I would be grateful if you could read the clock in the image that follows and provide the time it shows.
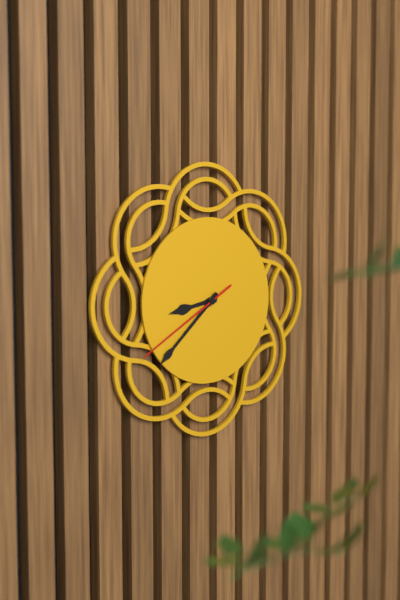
8:38:40
